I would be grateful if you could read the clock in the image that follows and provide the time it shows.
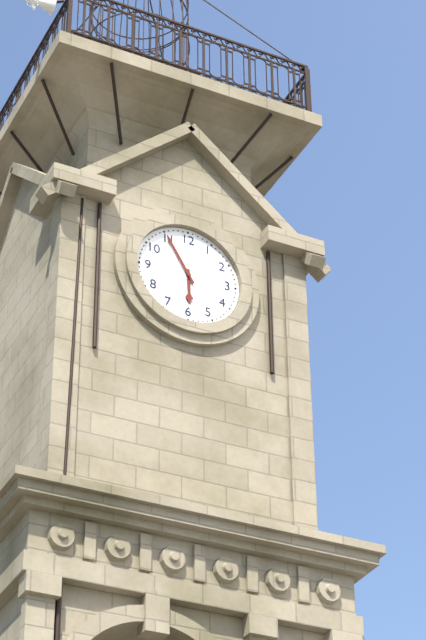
5:55
